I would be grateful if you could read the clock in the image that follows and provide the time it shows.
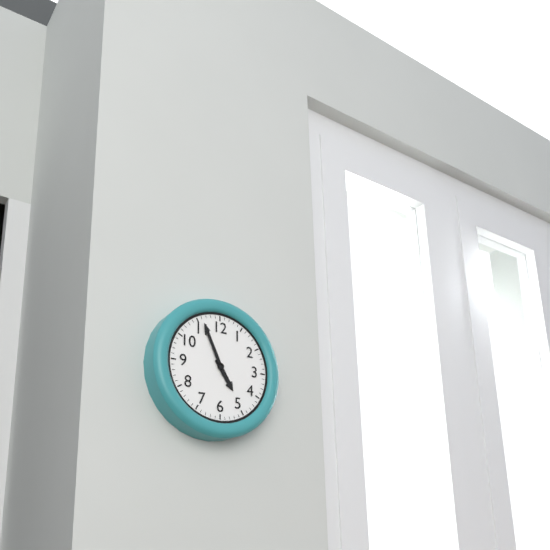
4:56
